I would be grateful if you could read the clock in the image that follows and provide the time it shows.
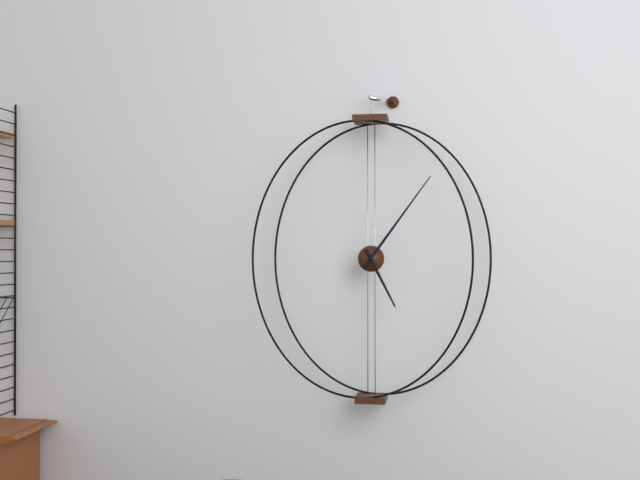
5:06
